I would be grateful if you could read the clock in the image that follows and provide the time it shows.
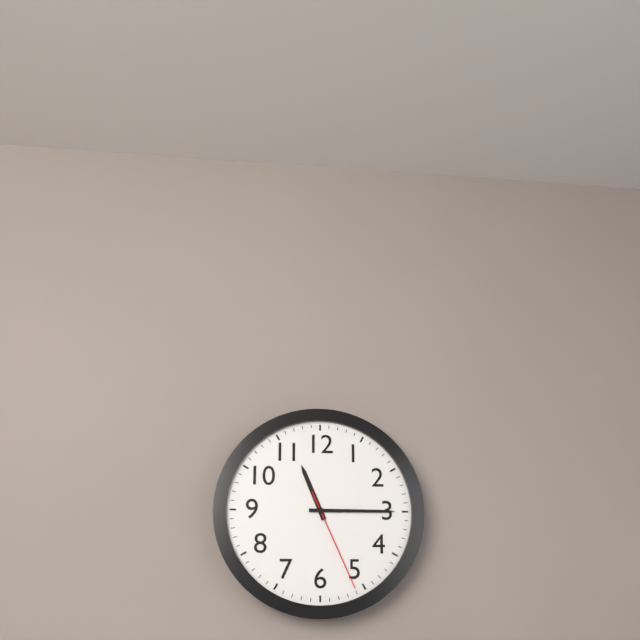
11:15:26
